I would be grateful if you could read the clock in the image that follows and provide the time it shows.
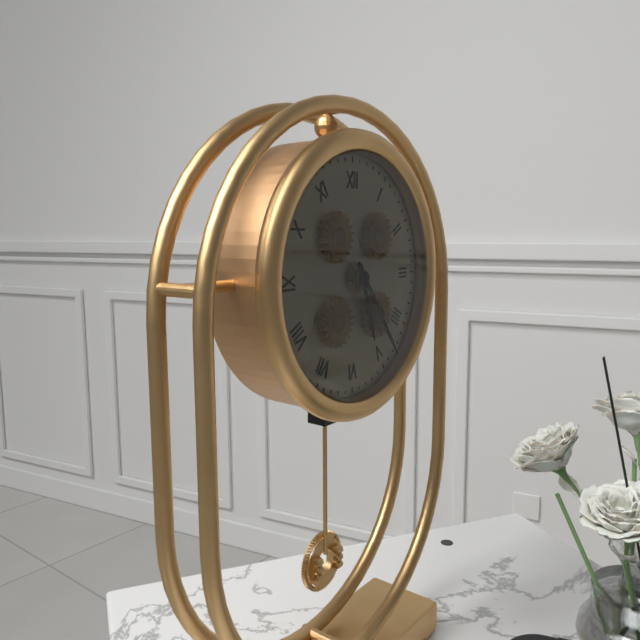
5:24
